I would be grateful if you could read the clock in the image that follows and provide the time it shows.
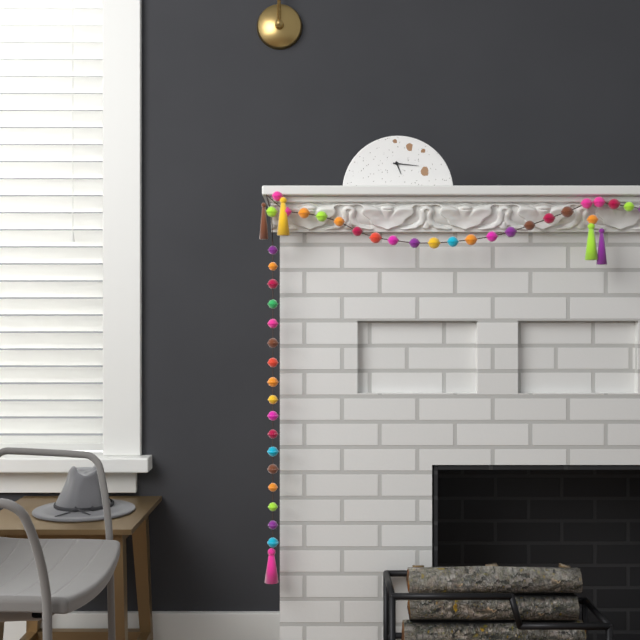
5:16
